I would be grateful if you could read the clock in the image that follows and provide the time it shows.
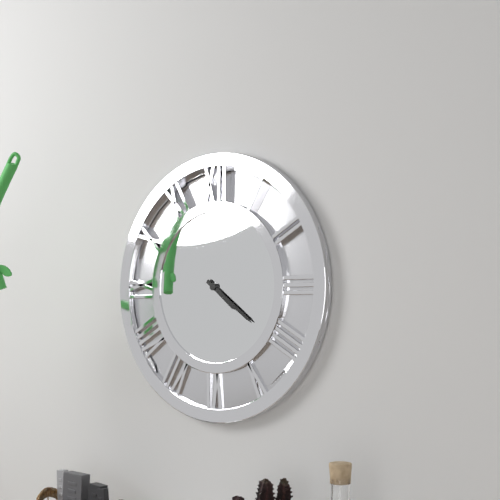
4:21
